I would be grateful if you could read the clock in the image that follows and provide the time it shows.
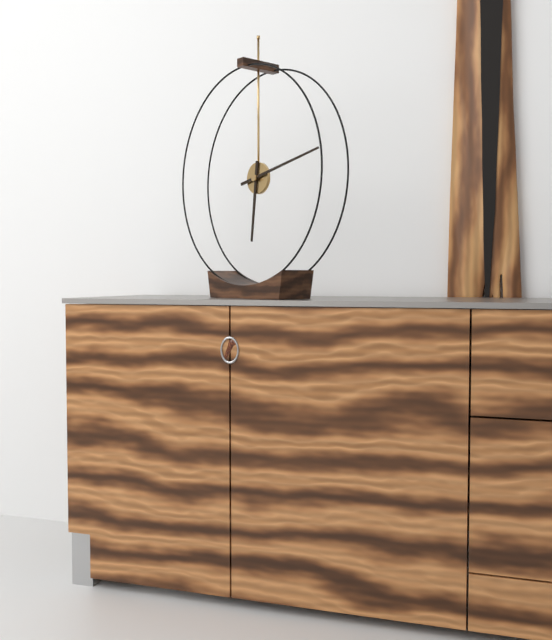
6:13
